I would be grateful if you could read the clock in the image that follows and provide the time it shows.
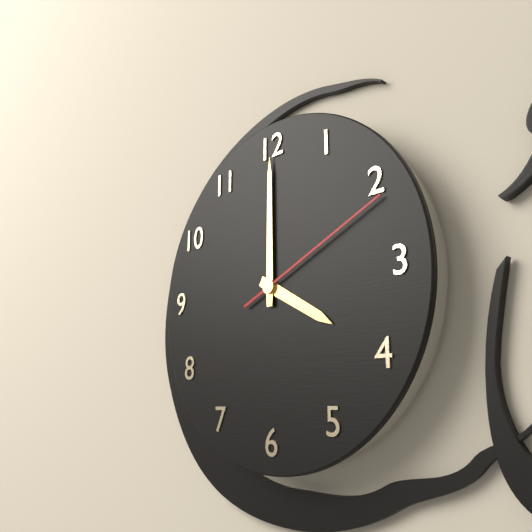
4:00:11
